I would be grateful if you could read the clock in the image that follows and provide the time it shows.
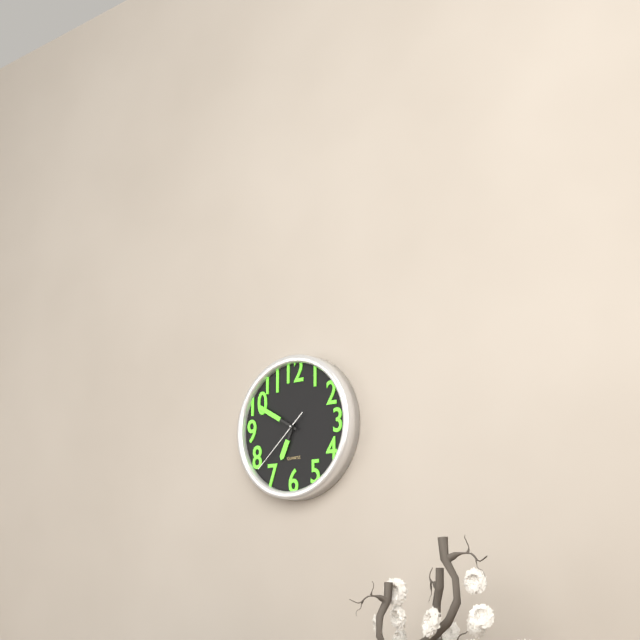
6:50:38
